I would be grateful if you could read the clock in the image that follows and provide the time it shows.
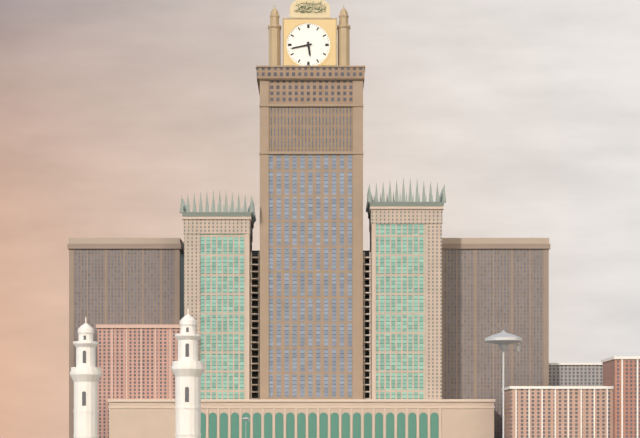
5:43
